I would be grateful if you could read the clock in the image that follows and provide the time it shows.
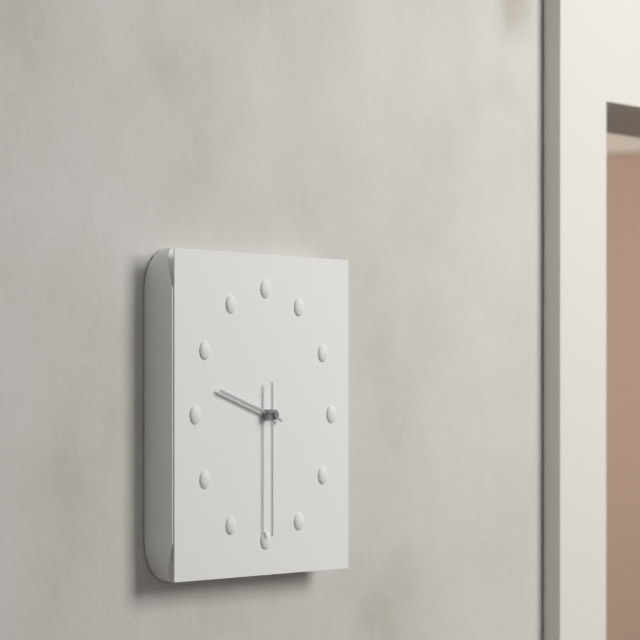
9:30
